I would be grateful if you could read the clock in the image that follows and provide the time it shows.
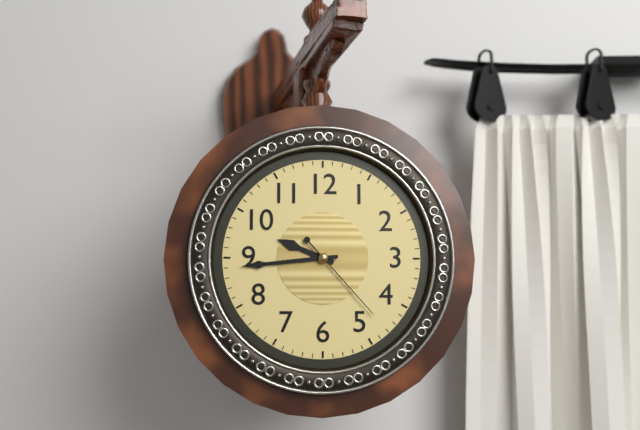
9:44:23
